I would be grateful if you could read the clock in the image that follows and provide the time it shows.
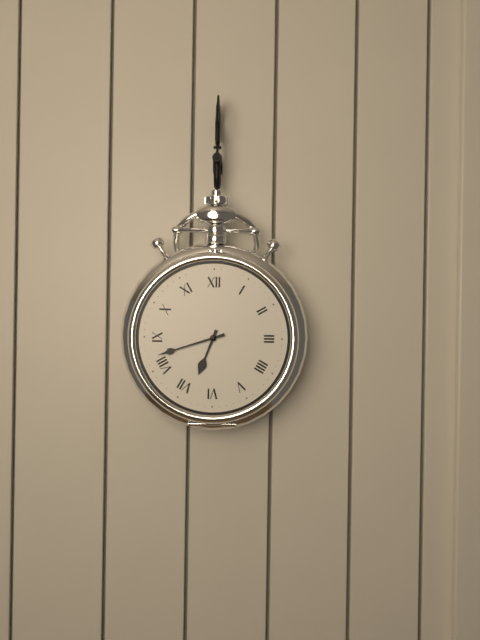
6:42
